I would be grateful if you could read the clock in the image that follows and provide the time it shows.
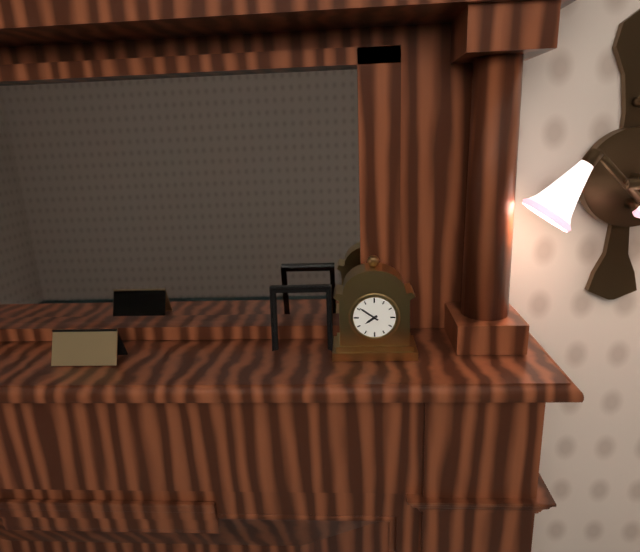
7:51
